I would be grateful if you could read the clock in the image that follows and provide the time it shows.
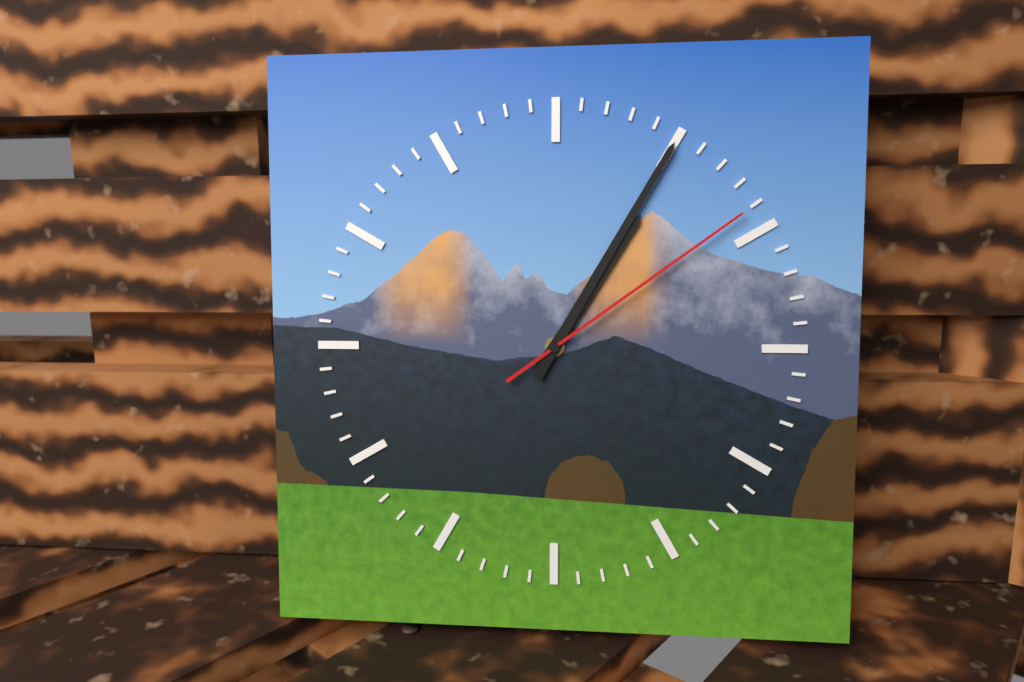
1:05:09
